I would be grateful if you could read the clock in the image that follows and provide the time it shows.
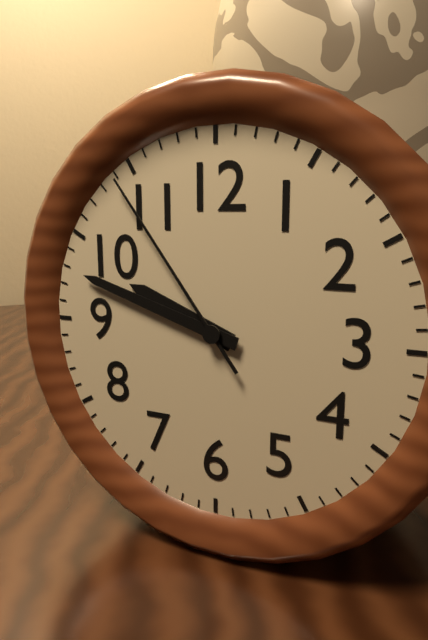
9:48:54
